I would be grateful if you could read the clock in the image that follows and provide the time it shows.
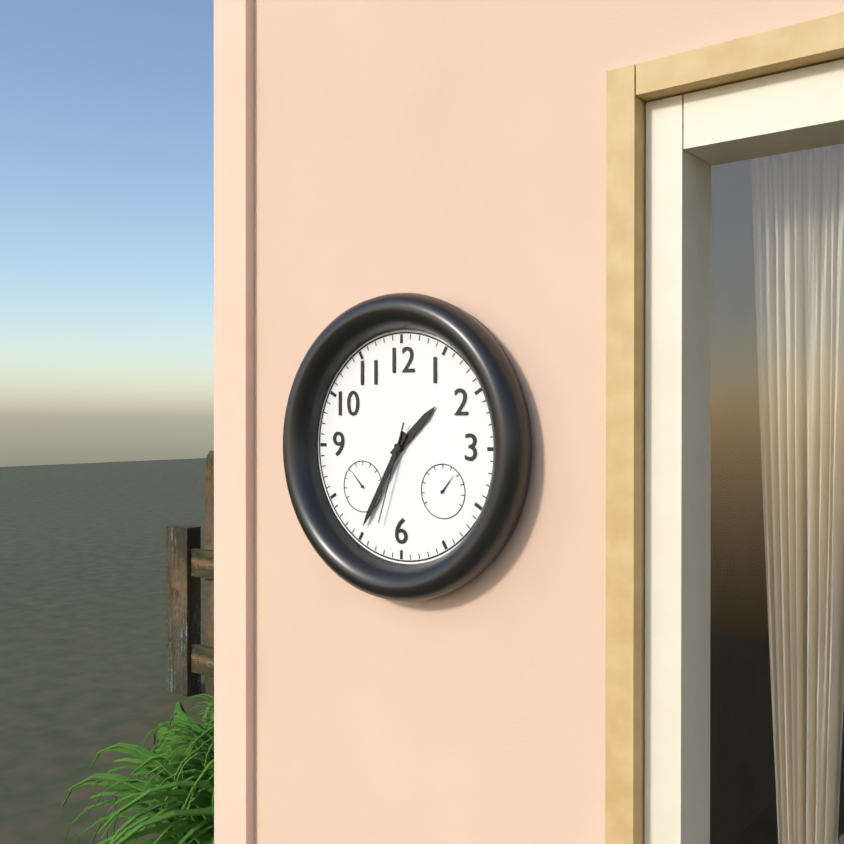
1:35:33
